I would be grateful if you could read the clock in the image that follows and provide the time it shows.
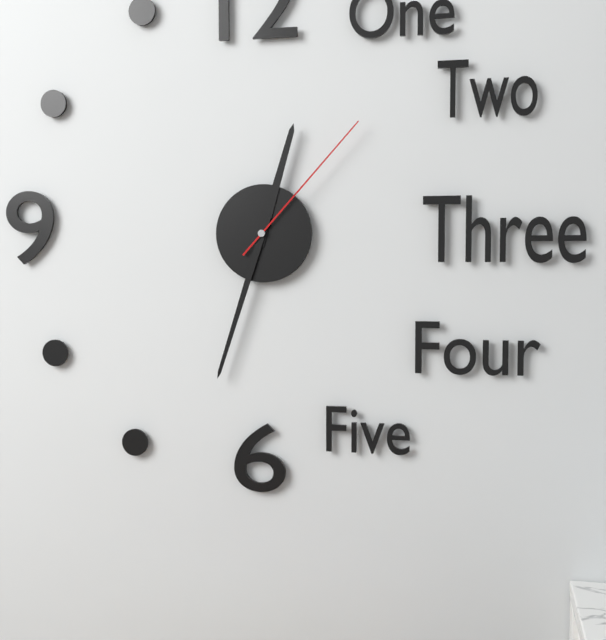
12:33:07
